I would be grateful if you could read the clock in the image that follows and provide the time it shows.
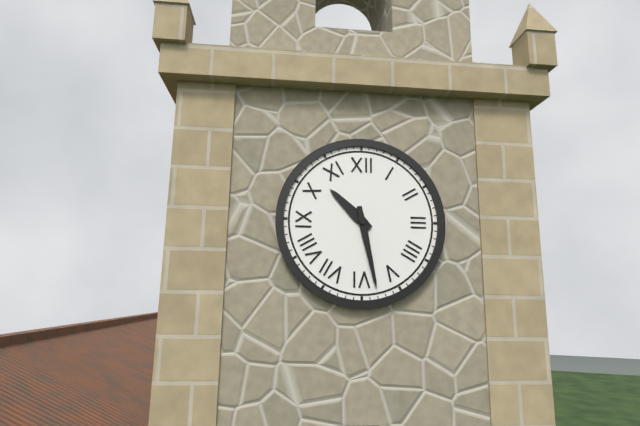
10:28
